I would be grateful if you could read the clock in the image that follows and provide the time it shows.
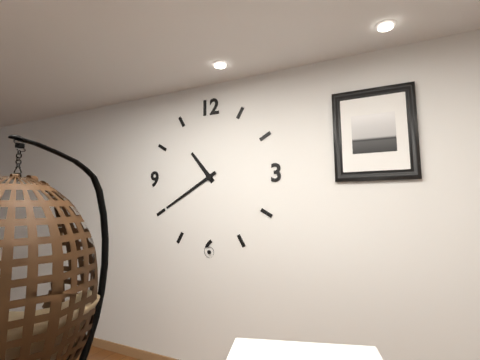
10:40
